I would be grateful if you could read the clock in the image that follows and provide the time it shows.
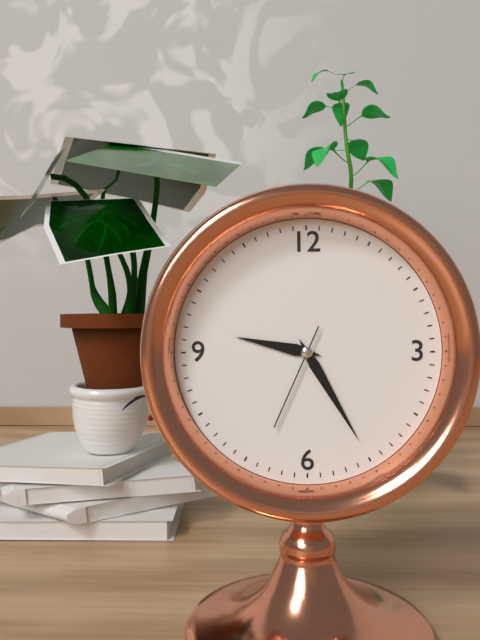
9:25:34
